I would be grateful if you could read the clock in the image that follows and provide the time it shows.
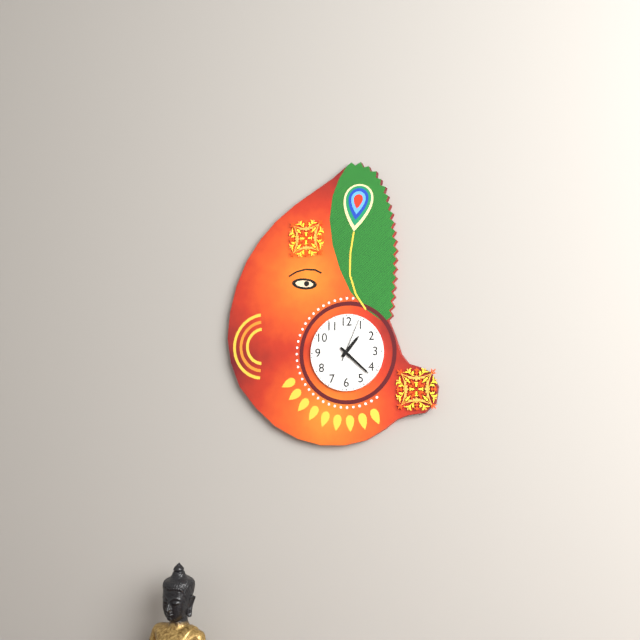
1:22
